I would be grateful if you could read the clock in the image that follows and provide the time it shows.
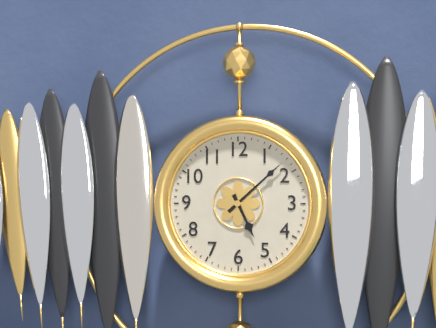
5:08
